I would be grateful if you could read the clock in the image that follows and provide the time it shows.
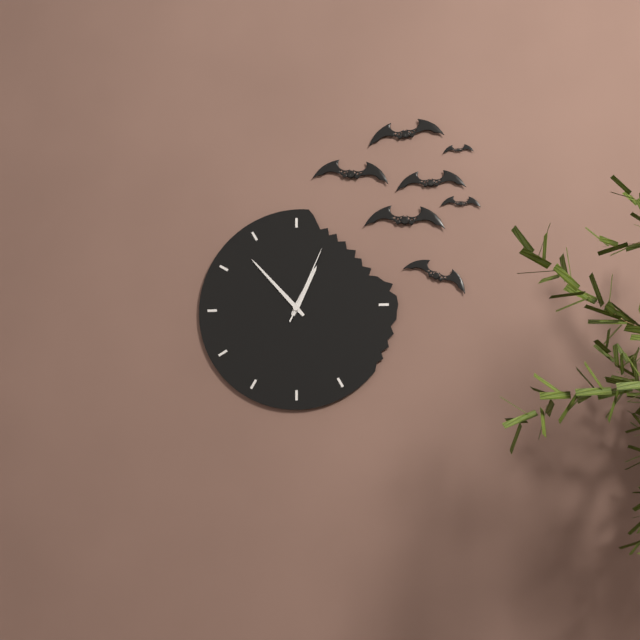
12:53:04
